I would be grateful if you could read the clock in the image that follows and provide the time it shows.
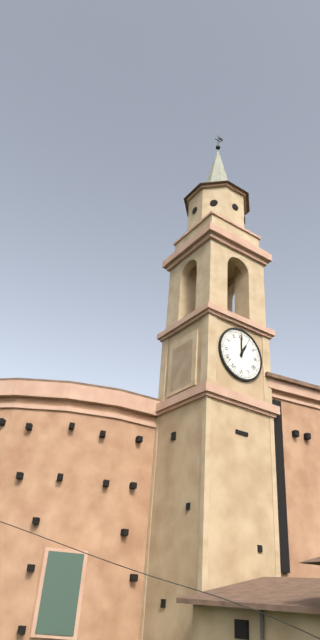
1:00
